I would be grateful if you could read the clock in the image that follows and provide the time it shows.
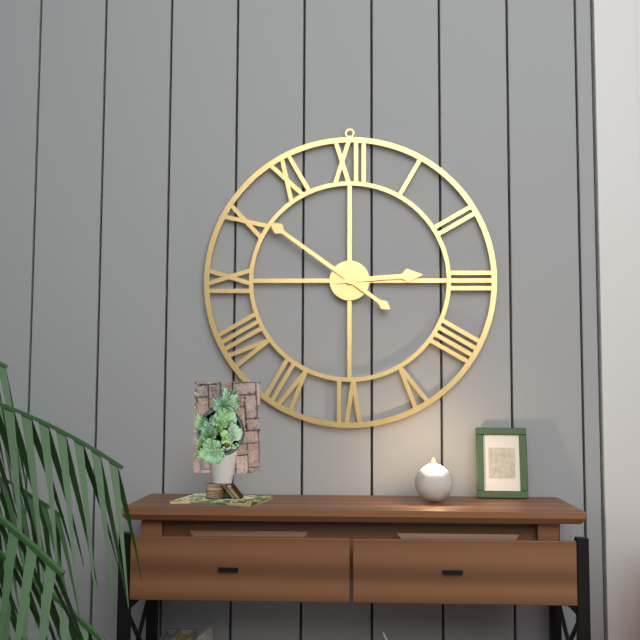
2:51
